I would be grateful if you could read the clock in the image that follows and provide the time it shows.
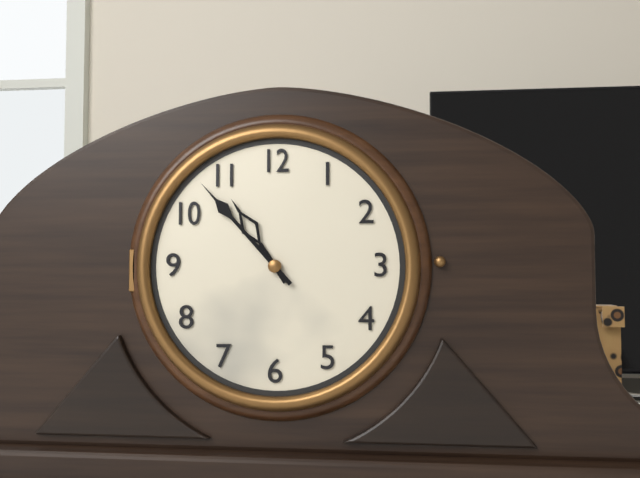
10:53
